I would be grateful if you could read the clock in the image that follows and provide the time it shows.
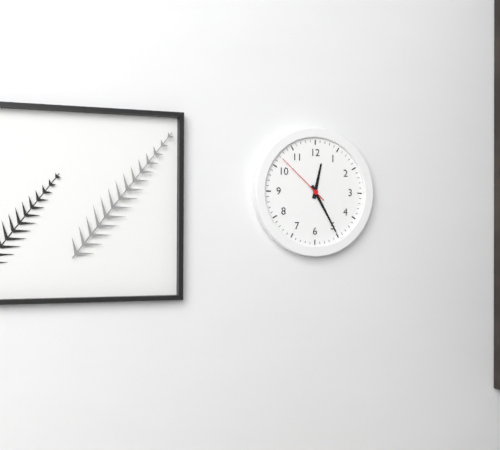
12:25:52
